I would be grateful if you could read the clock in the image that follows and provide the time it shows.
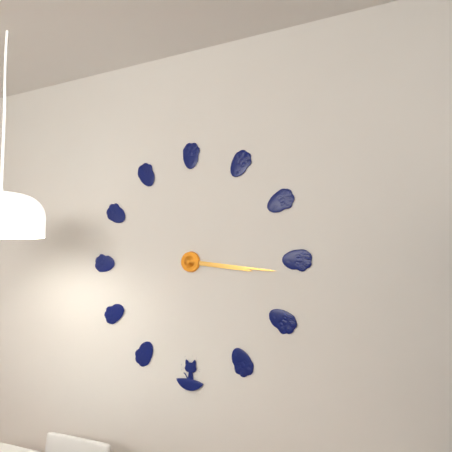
3:16
